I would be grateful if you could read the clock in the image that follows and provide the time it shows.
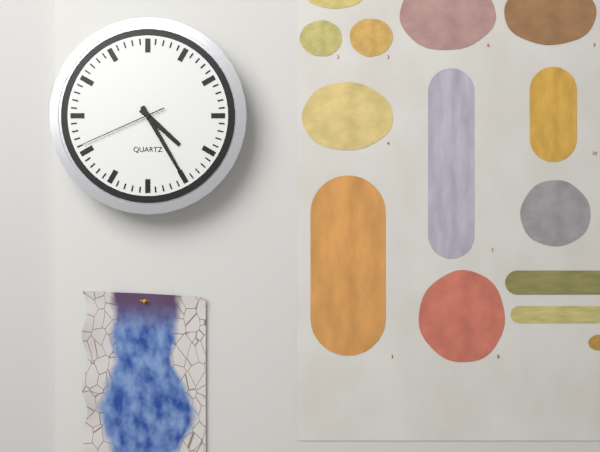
4:25:41
